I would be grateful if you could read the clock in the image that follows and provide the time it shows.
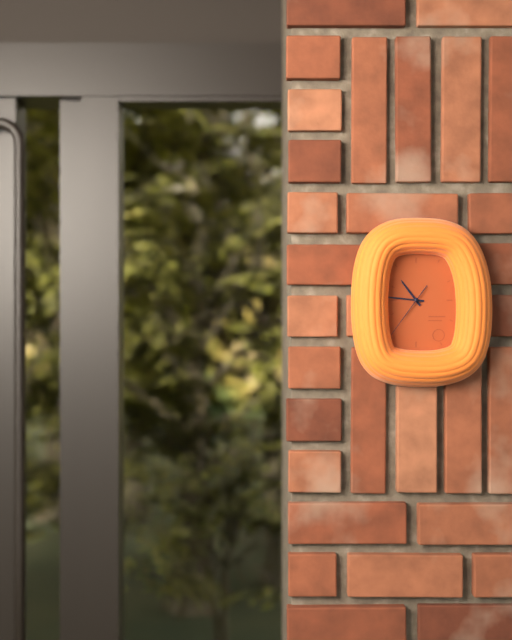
10:46:36
